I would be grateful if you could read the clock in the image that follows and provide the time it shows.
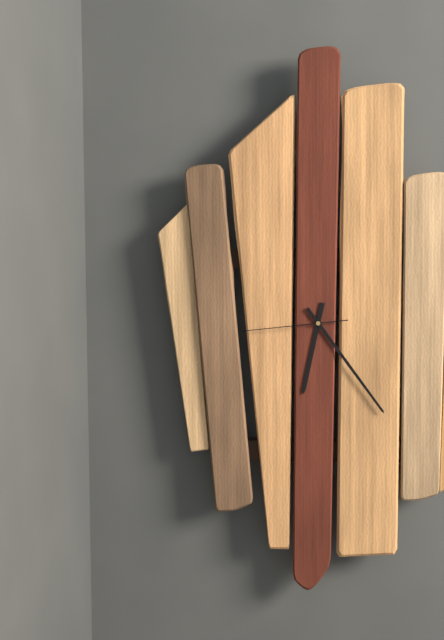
6:24:44
